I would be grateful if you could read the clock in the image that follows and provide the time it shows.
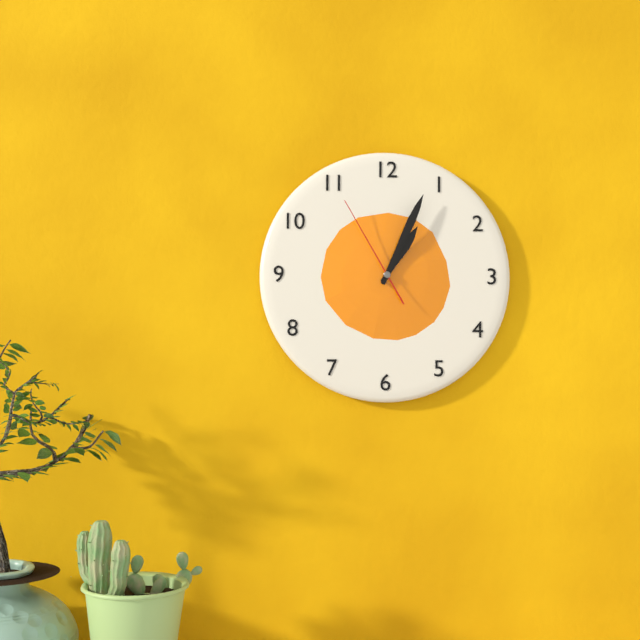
1:04:55
